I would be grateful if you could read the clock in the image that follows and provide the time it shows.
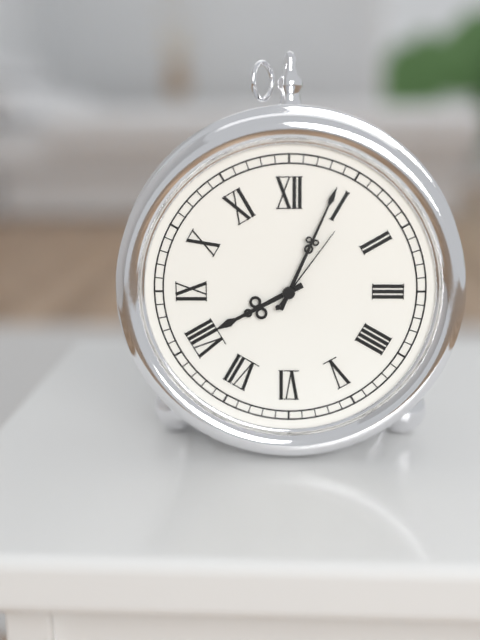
8:04:06
